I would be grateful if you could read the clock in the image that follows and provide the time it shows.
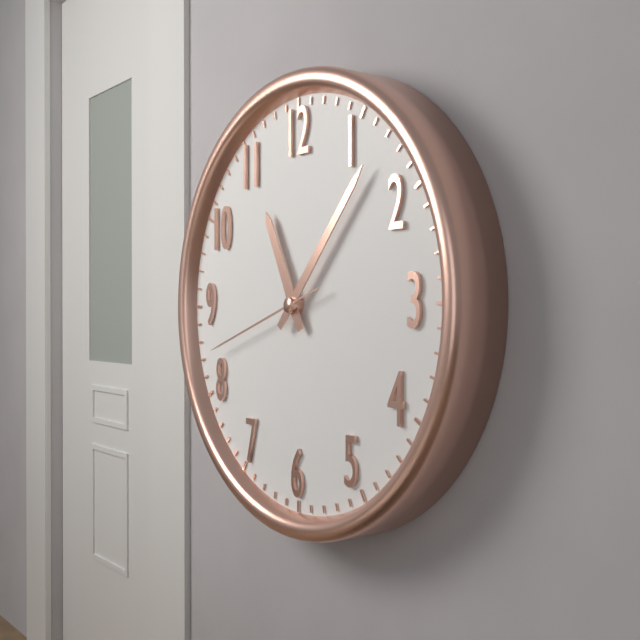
11:07:42
